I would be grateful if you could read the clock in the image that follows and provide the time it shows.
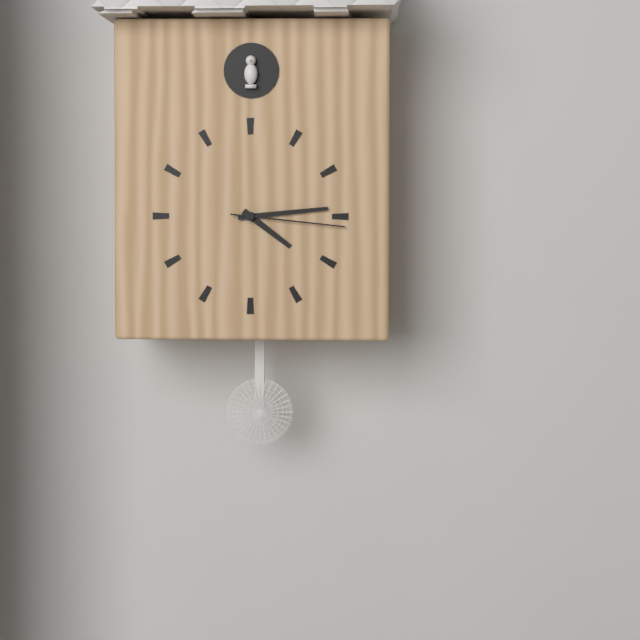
4:14:16
